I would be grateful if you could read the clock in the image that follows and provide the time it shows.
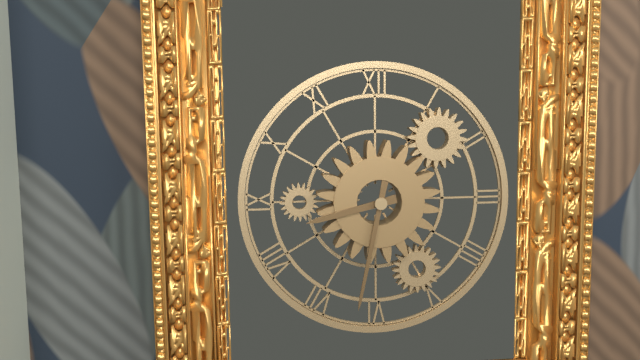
8:32
